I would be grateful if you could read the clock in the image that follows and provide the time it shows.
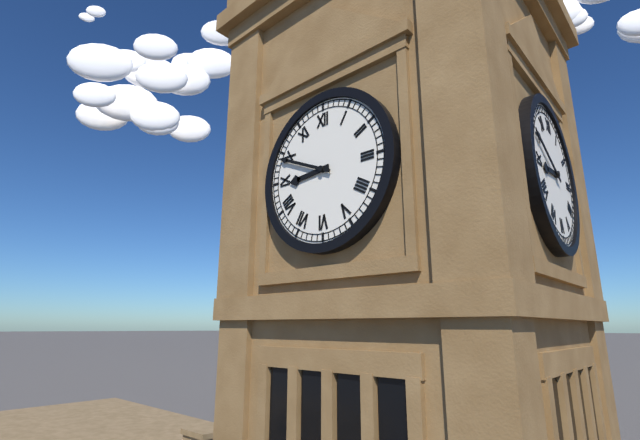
8:49
